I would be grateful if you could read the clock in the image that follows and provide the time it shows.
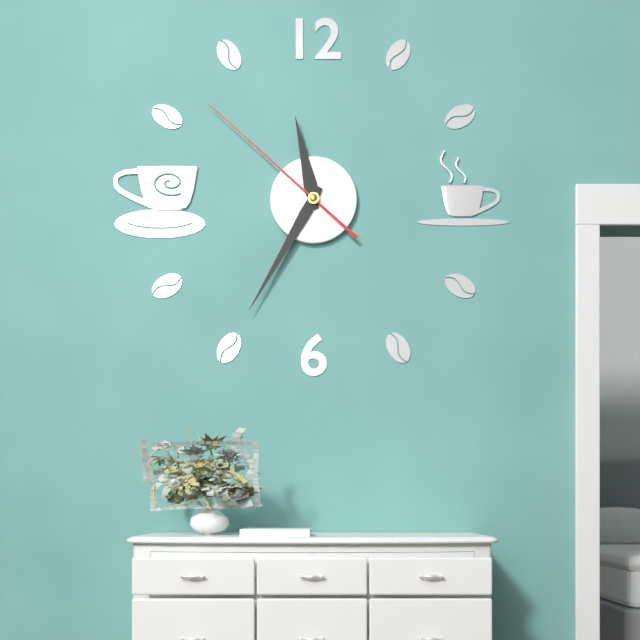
11:35:52
